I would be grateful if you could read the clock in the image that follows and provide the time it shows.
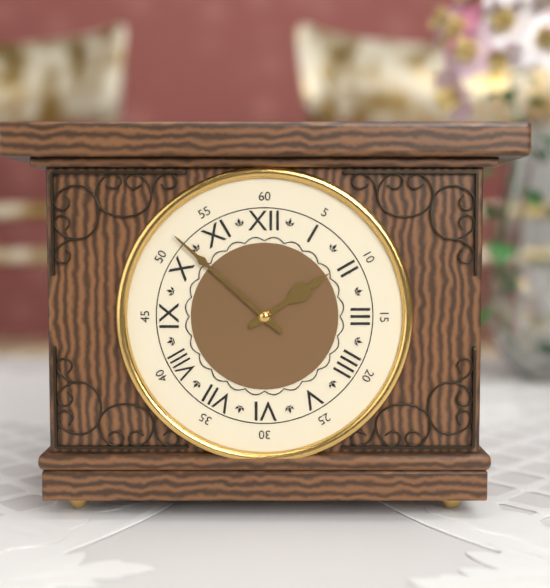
1:52
